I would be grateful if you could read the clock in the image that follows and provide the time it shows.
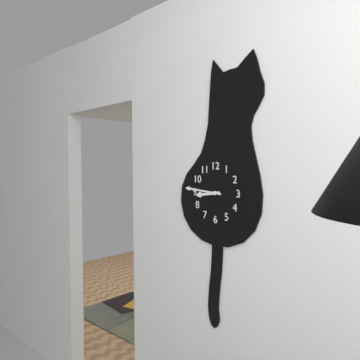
8:46
